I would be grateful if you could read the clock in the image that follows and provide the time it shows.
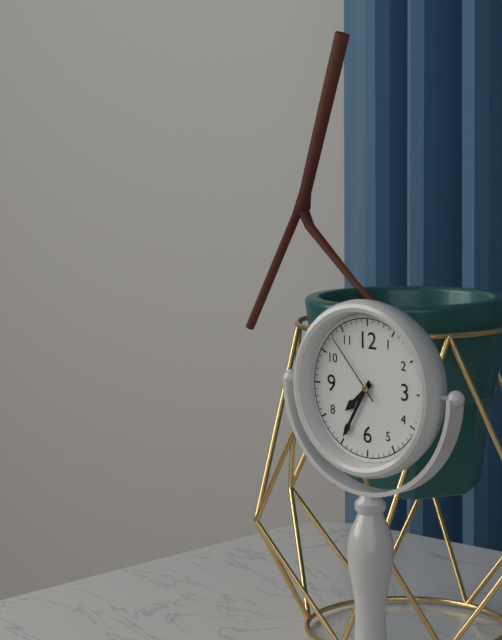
7:35:53
